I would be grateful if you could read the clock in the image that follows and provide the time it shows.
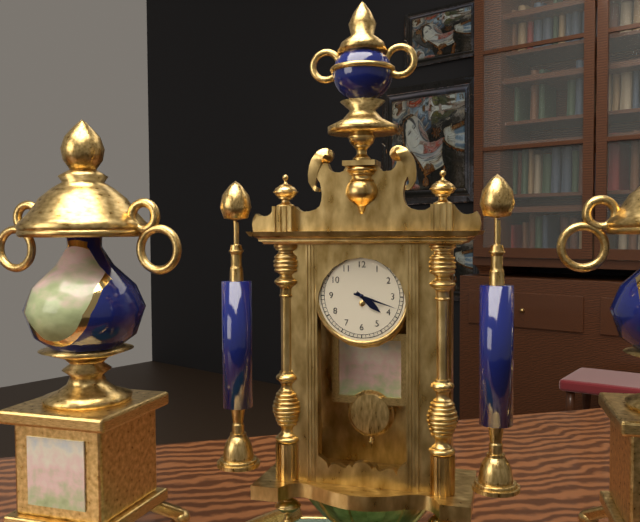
4:18
